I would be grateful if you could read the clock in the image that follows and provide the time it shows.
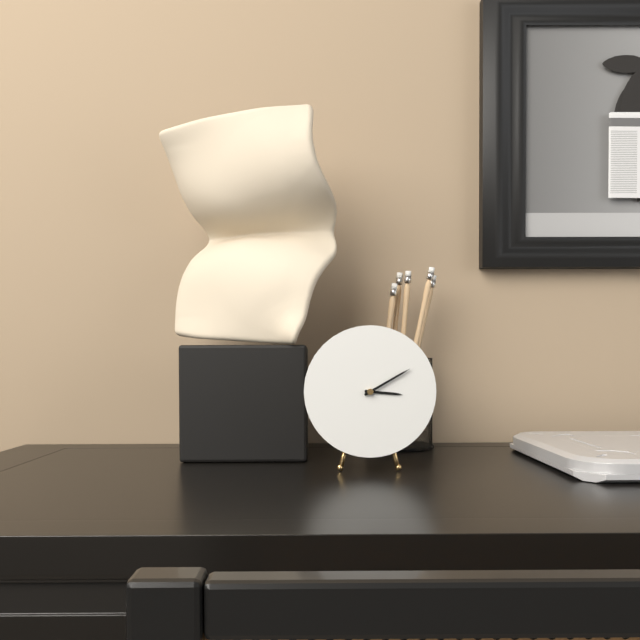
3:10
